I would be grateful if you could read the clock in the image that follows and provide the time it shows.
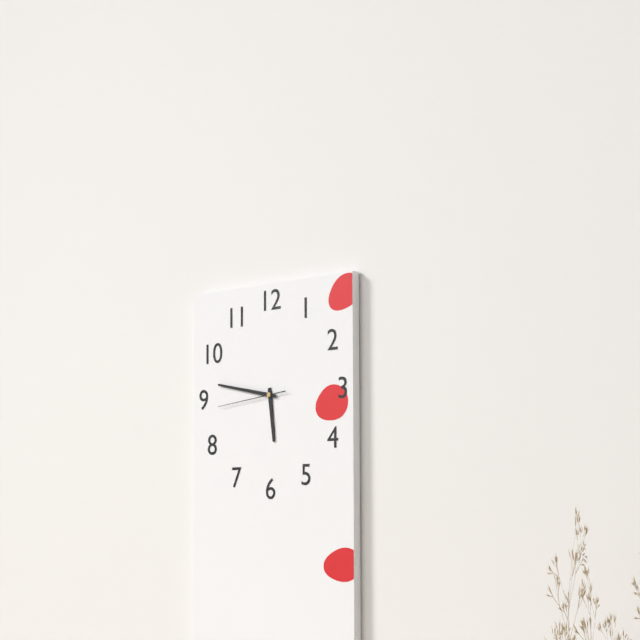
5:47:44
